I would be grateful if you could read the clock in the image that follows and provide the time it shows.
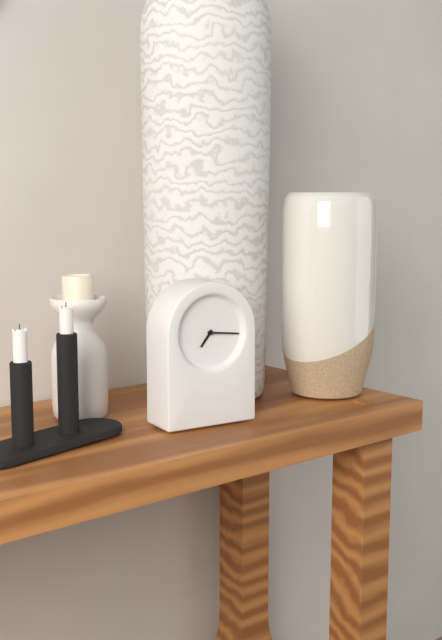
7:16
